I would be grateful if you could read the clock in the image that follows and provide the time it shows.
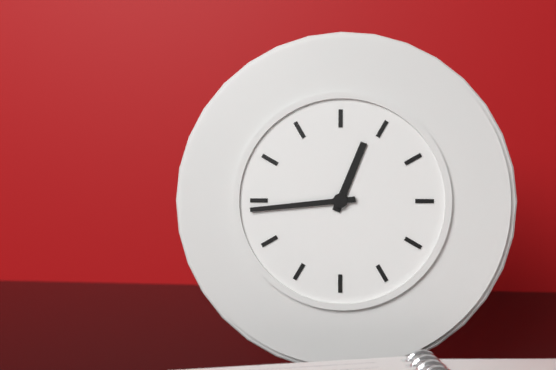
12:44
